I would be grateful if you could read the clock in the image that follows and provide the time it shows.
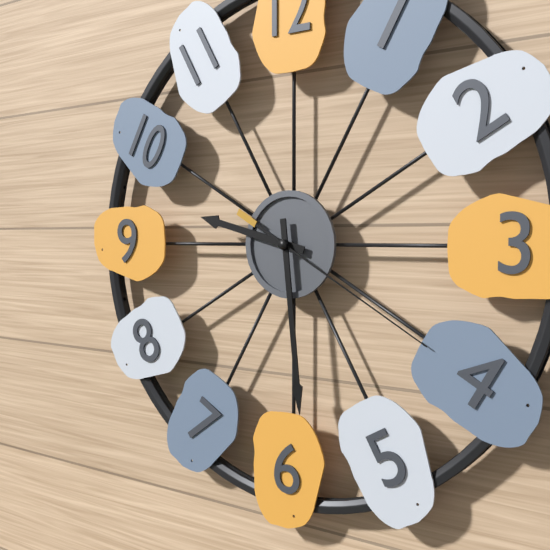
9:29:20
